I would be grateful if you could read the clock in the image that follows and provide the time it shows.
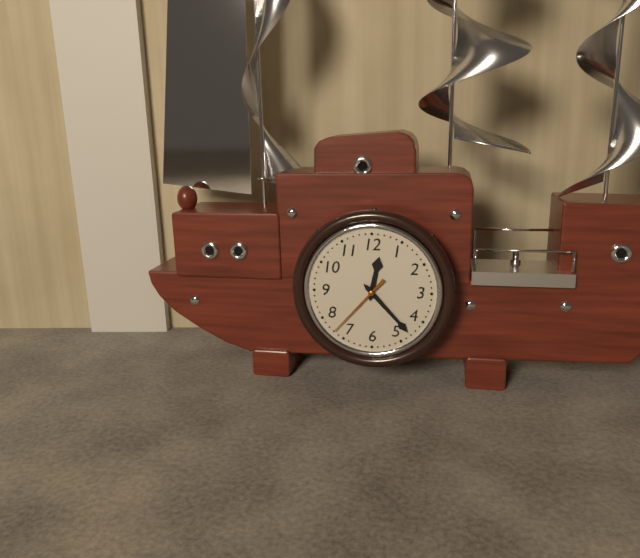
12:23:37
